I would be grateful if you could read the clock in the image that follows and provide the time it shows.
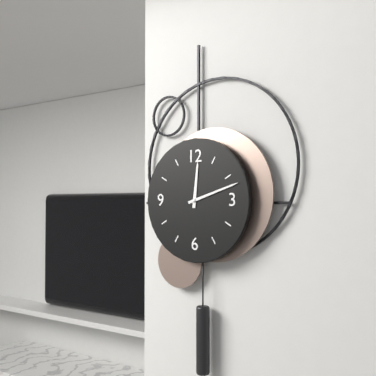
12:12
